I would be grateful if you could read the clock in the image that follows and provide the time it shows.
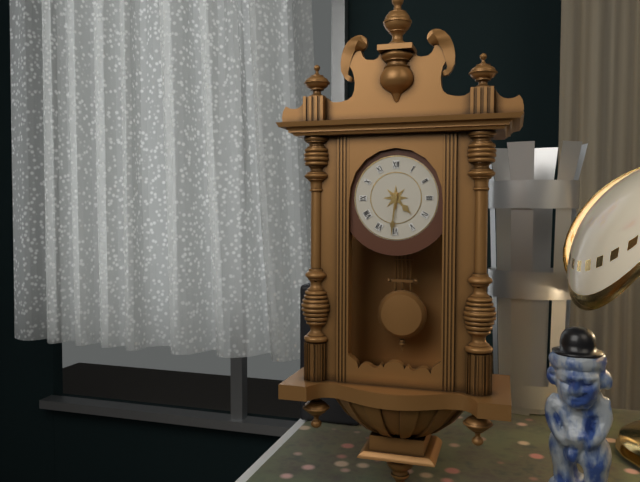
4:31
